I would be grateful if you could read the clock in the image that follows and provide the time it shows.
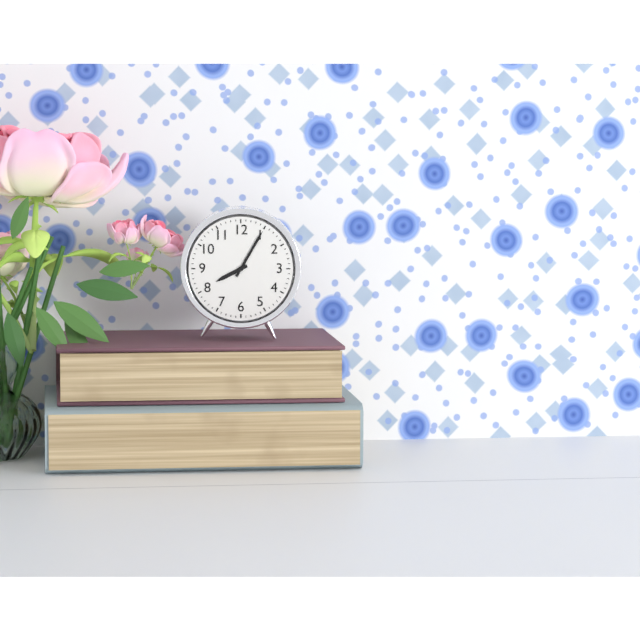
8:05
